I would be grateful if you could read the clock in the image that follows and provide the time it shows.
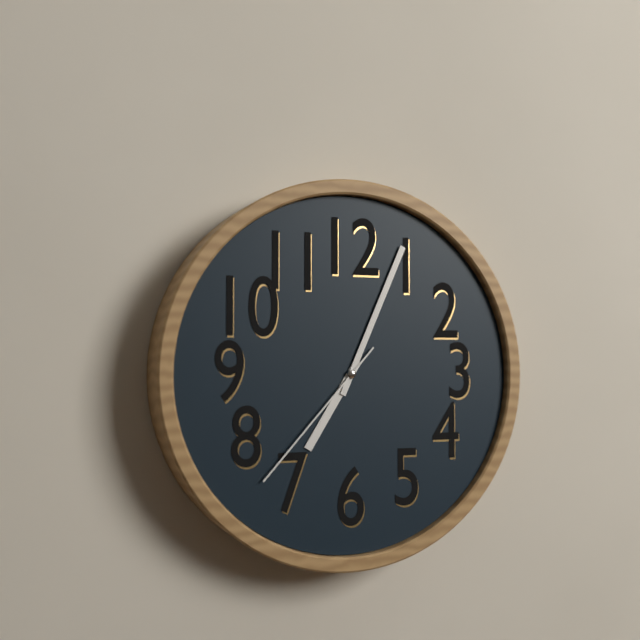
7:04:37
